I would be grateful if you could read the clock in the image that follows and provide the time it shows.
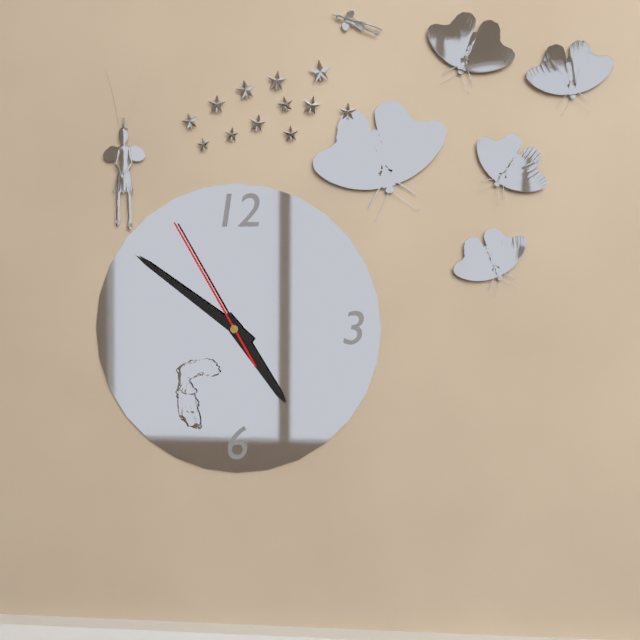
4:51:55
